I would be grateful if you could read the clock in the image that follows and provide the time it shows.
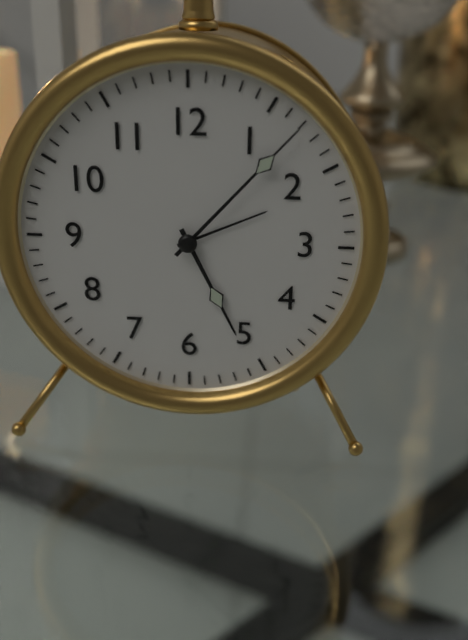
5:07
